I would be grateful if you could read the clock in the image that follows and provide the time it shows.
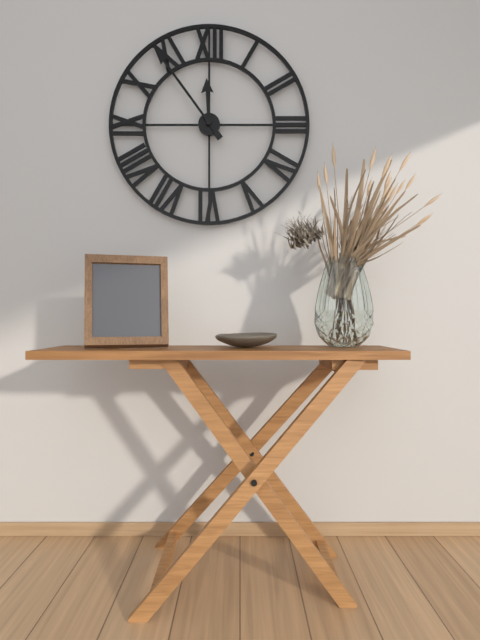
11:54
